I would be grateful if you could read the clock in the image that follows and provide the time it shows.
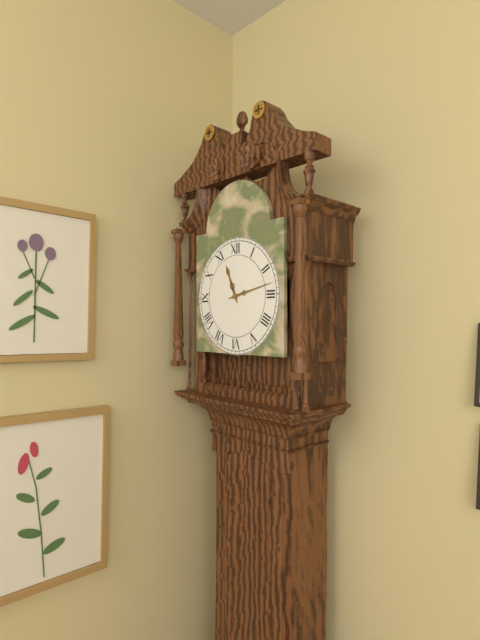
11:13
